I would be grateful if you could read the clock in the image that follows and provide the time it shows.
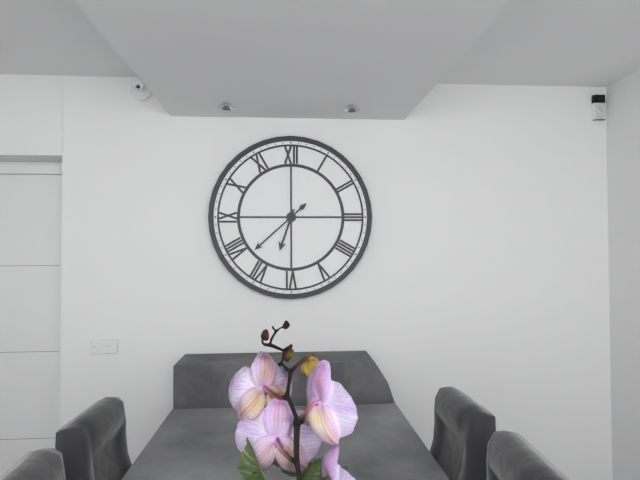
6:38
